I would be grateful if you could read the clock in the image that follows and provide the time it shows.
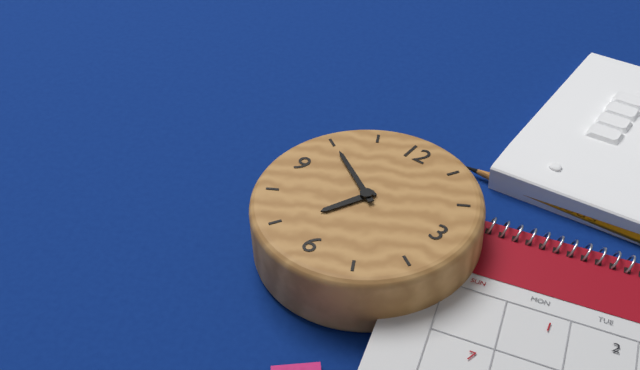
6:50
